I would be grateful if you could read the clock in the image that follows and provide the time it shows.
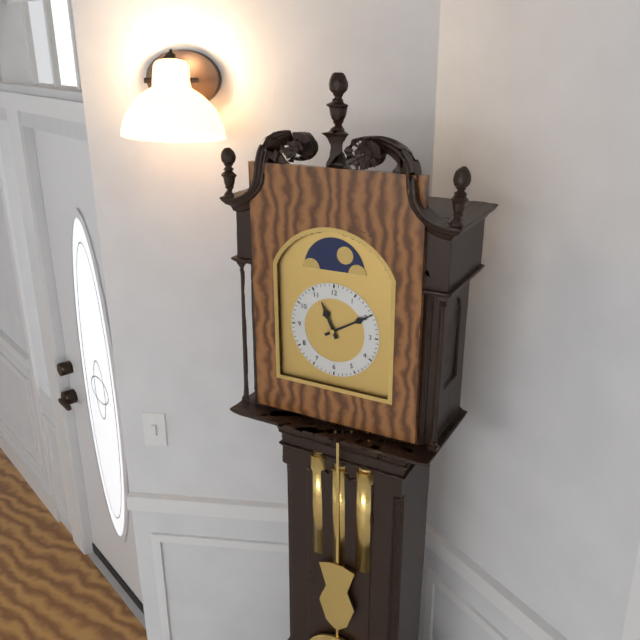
11:10
